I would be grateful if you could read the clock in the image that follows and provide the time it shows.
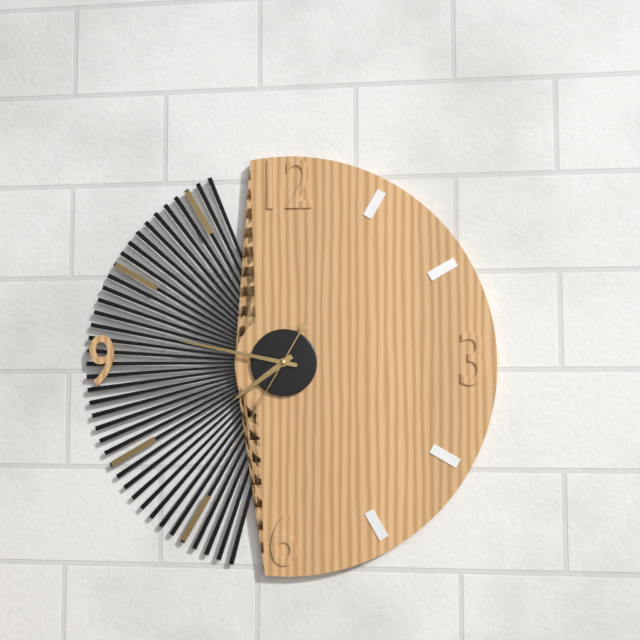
7:47:35
